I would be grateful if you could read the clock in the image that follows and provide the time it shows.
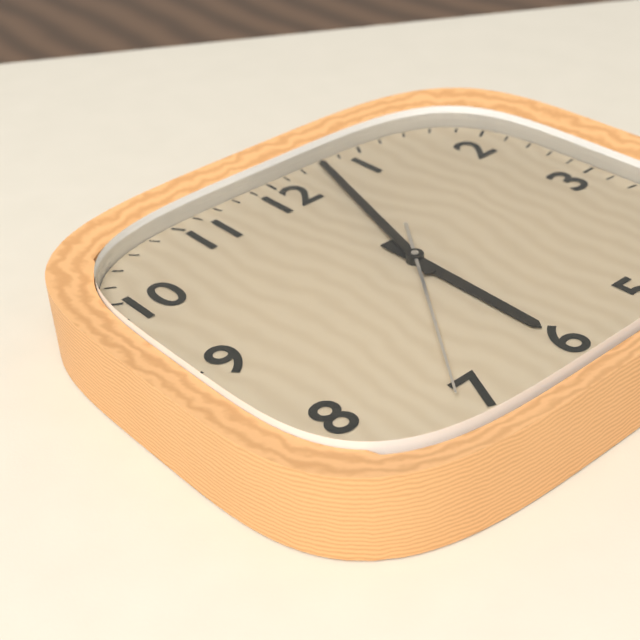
6:03:36
